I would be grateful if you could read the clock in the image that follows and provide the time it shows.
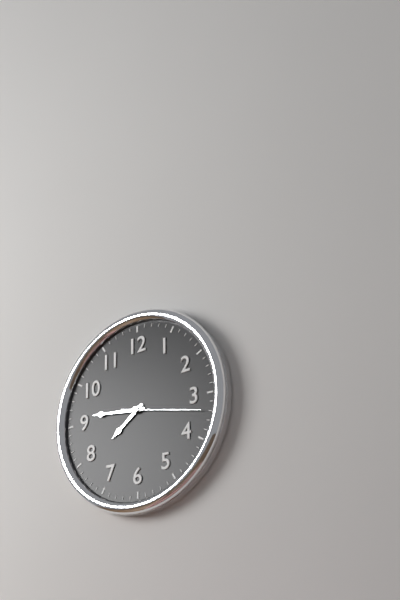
7:46:17
